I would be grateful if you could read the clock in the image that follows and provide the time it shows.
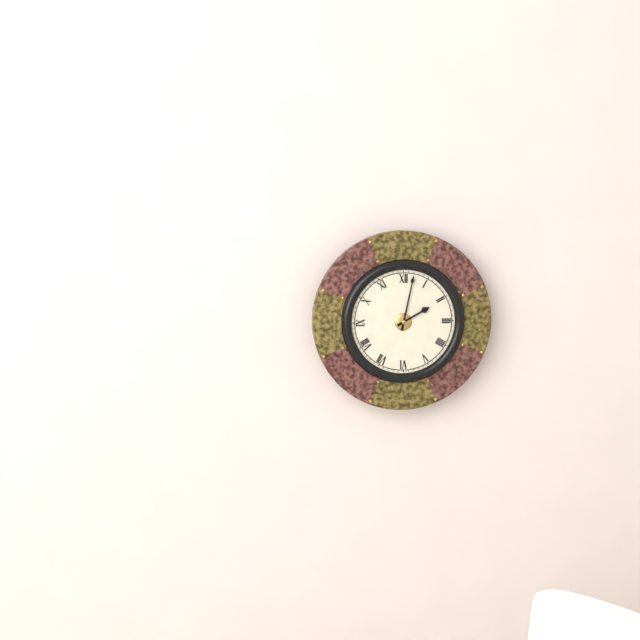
2:02
